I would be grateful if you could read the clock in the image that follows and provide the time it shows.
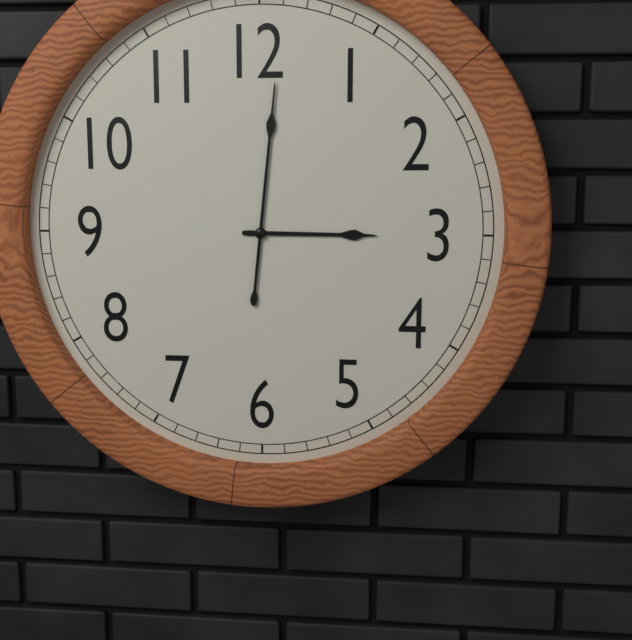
3:01
